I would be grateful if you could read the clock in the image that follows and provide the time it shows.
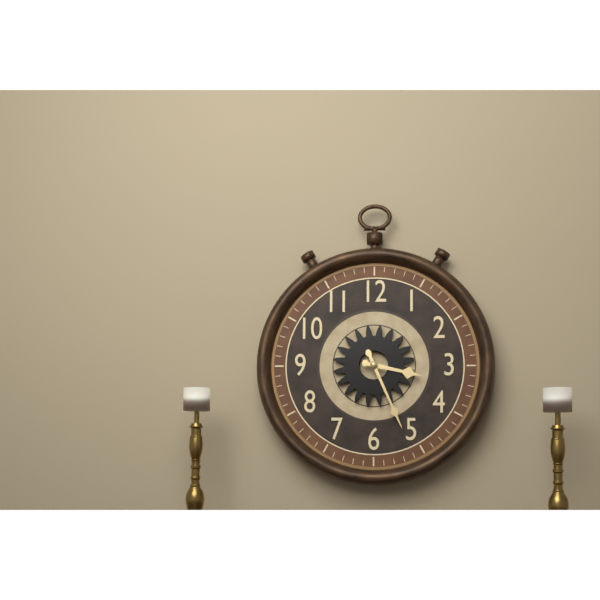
3:26
